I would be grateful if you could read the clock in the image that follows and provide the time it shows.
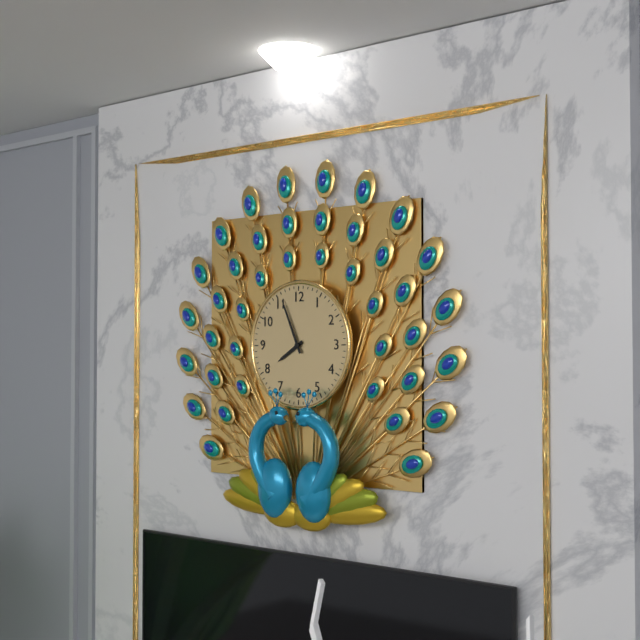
7:56
